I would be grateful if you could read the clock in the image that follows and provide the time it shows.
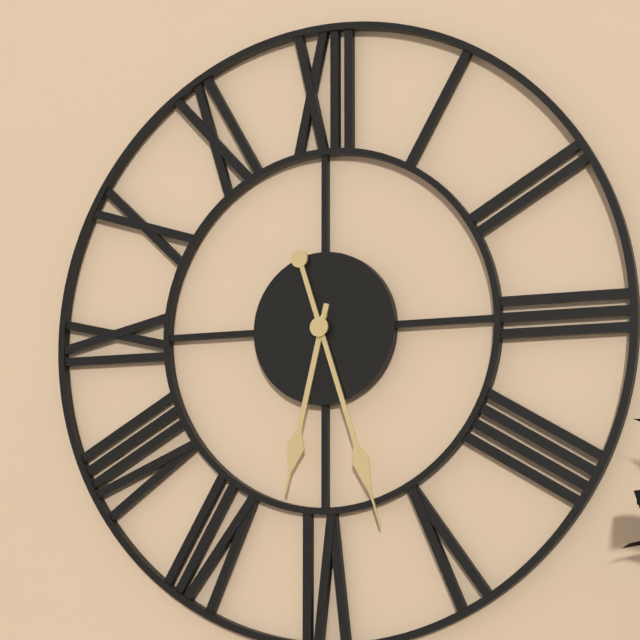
6:27
